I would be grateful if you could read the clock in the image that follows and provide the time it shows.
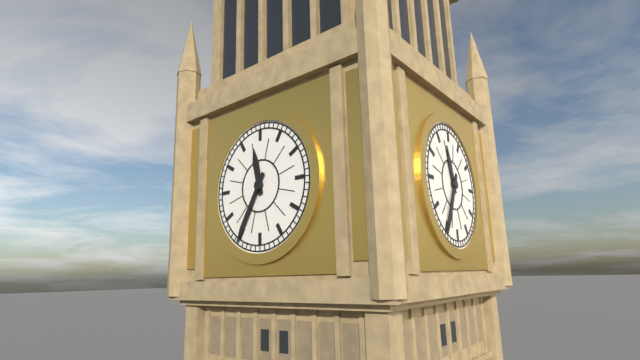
11:35
